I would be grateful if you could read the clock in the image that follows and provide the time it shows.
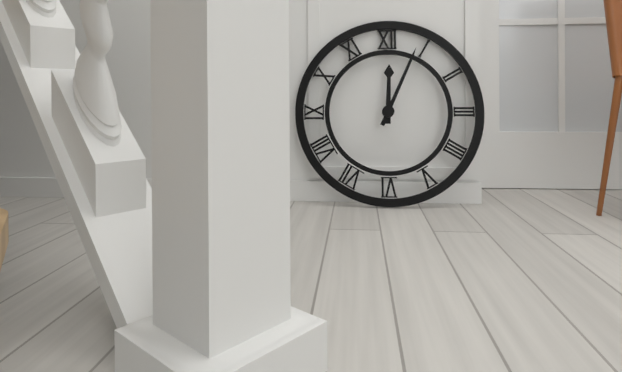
12:04
